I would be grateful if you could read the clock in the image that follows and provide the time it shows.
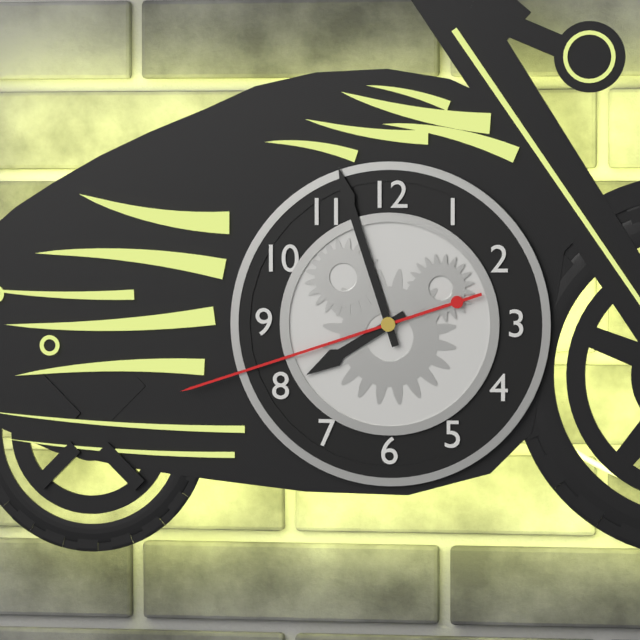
7:57:42
